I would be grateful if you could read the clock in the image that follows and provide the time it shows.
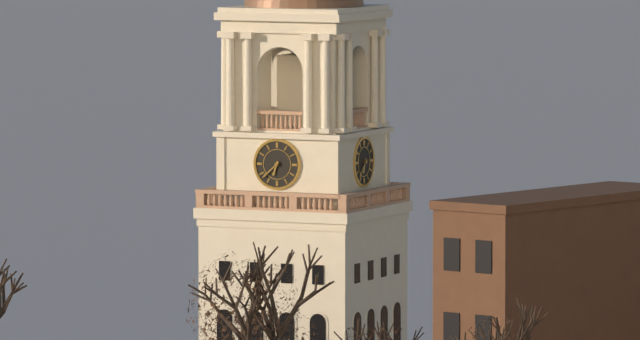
6:38
